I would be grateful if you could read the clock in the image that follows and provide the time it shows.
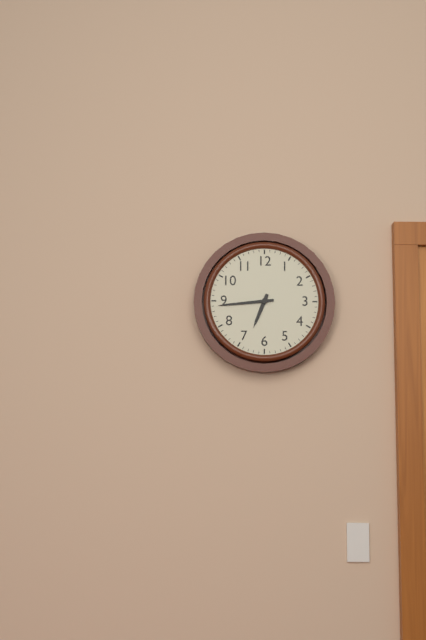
6:44
